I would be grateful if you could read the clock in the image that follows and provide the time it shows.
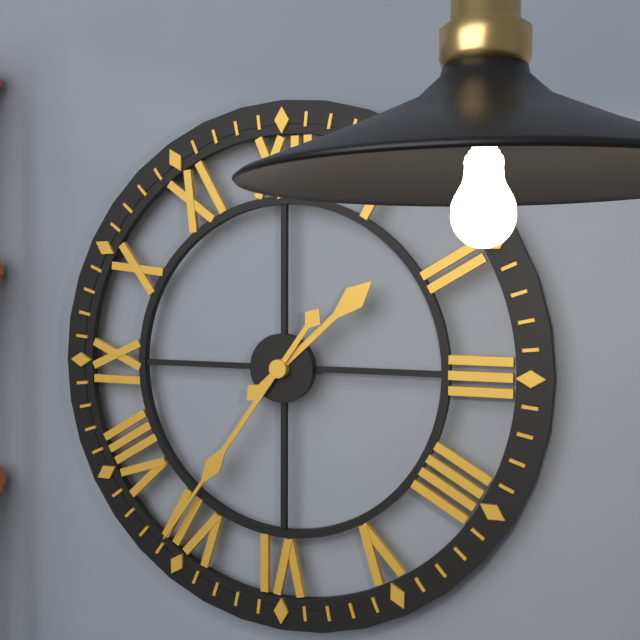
1:36
